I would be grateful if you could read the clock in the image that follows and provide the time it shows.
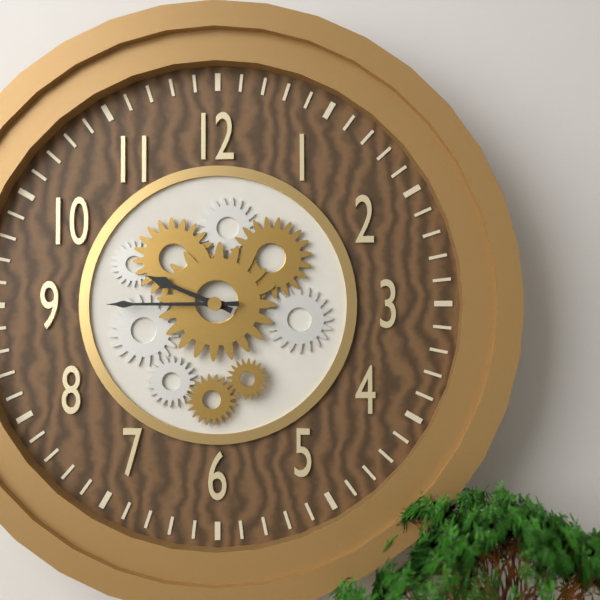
9:45
